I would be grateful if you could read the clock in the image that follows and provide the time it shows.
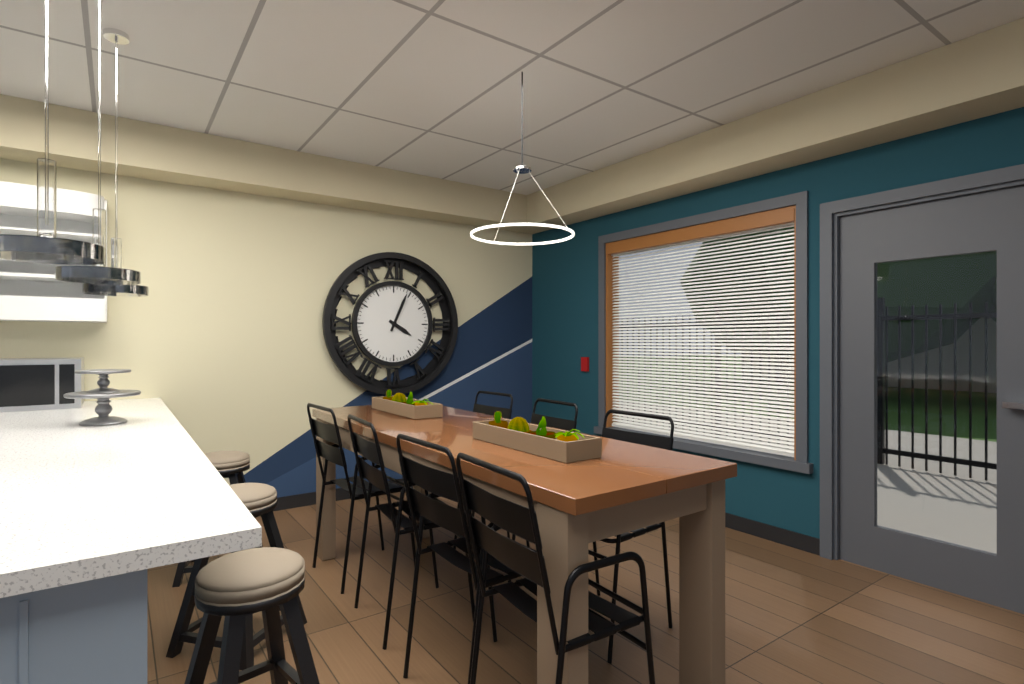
4:04
